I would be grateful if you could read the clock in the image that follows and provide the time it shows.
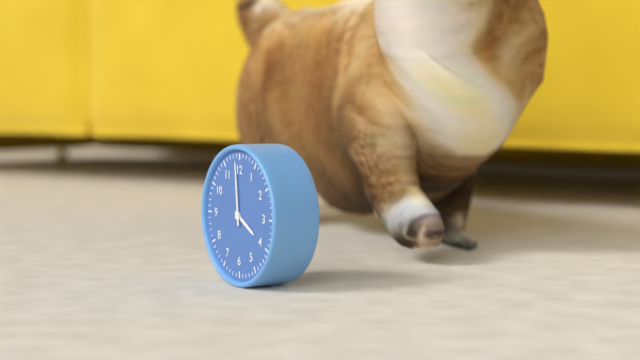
3:59
